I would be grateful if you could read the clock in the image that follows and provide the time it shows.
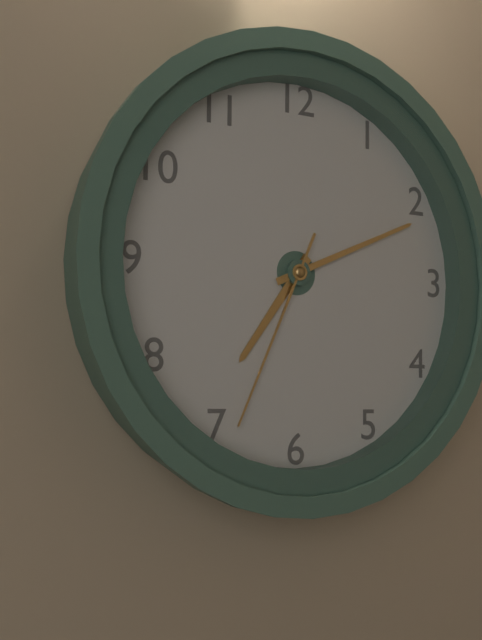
7:11:34
